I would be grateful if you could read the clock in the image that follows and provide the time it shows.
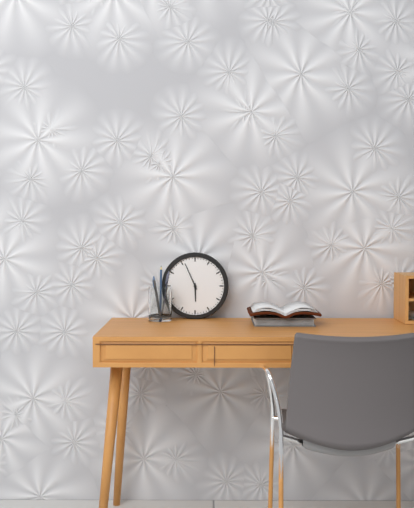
5:56
